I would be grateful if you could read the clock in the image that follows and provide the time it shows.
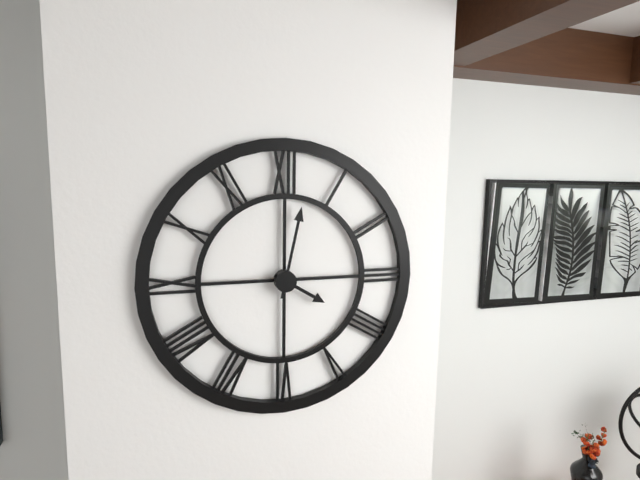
4:02
